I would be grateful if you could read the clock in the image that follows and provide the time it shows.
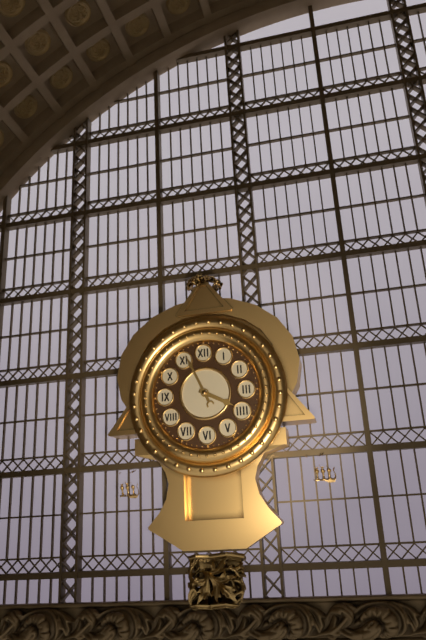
3:56
